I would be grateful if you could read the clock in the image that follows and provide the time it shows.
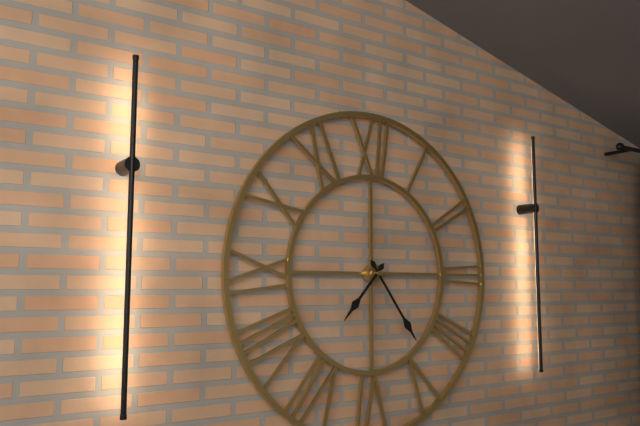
7:24
